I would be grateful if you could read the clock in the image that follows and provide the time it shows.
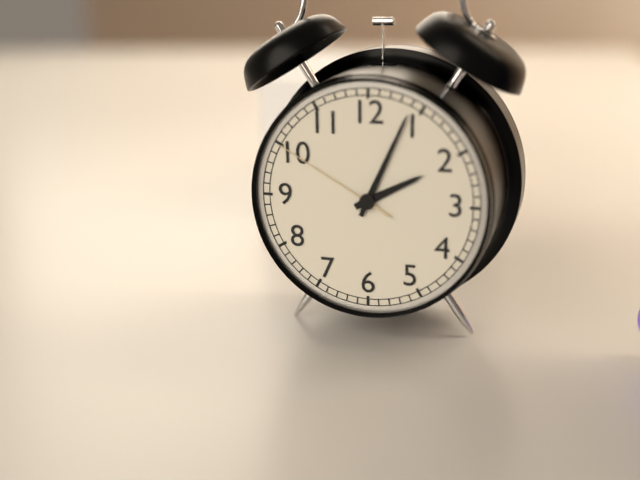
2:04:50
